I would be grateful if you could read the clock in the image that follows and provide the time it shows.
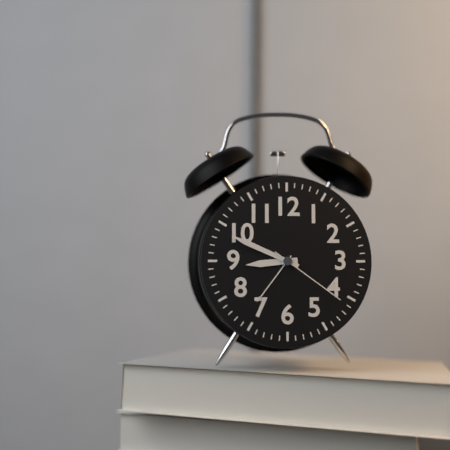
8:49:21
